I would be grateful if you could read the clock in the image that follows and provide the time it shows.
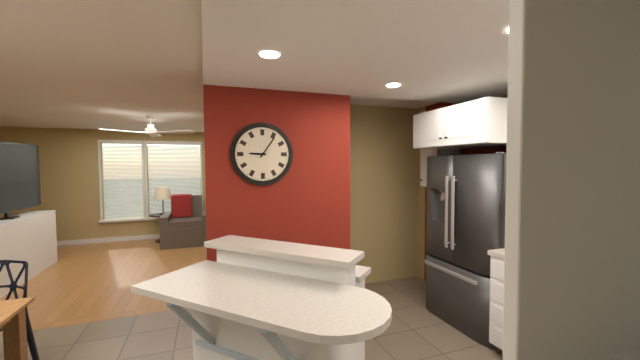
9:06
